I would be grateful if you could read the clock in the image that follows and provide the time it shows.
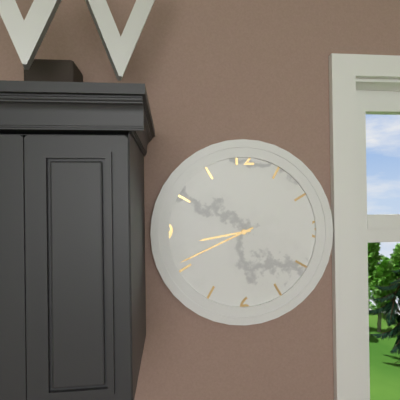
8:41
